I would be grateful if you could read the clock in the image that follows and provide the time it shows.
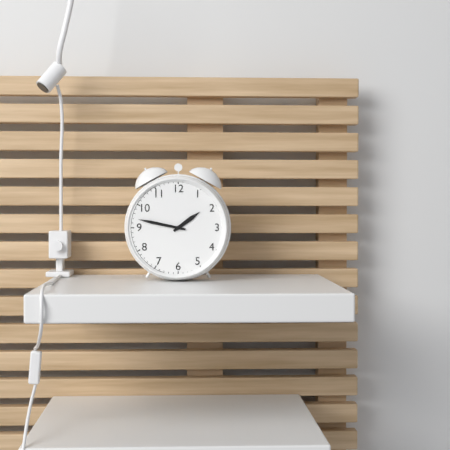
1:47
